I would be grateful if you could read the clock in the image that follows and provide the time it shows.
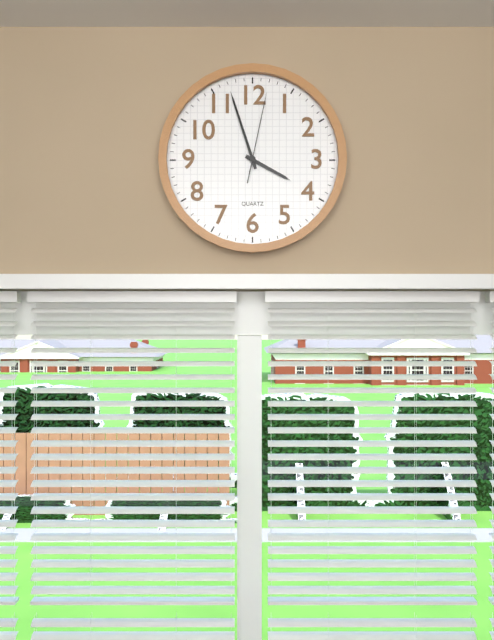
3:57:02
